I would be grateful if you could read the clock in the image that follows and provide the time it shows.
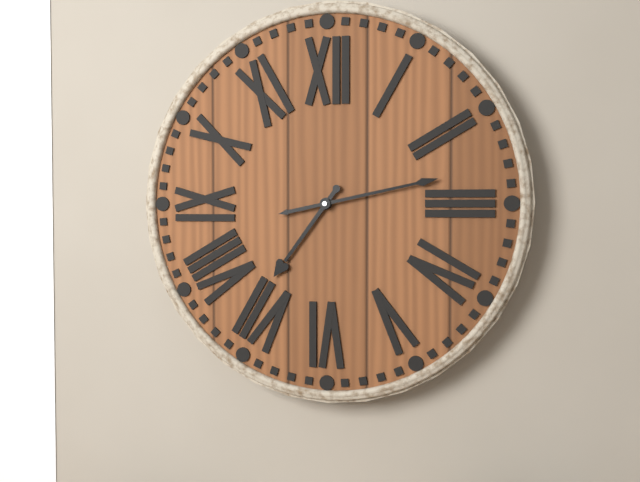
7:13
